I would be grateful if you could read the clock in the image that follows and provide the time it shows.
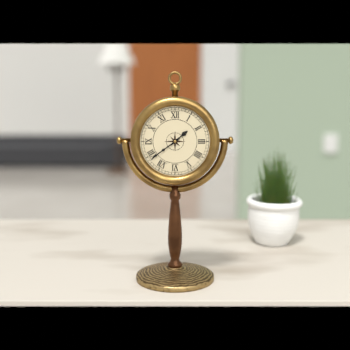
1:39
